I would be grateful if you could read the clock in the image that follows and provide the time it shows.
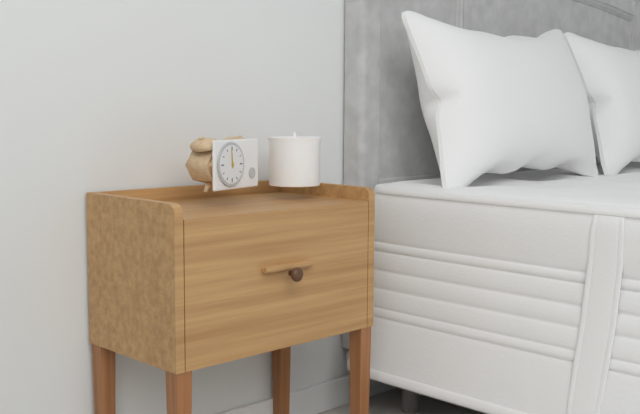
11:59
